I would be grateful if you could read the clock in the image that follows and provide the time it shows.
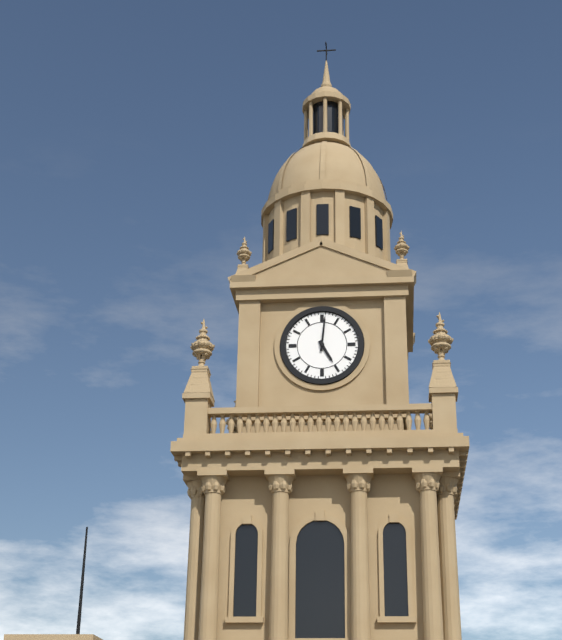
5:01
